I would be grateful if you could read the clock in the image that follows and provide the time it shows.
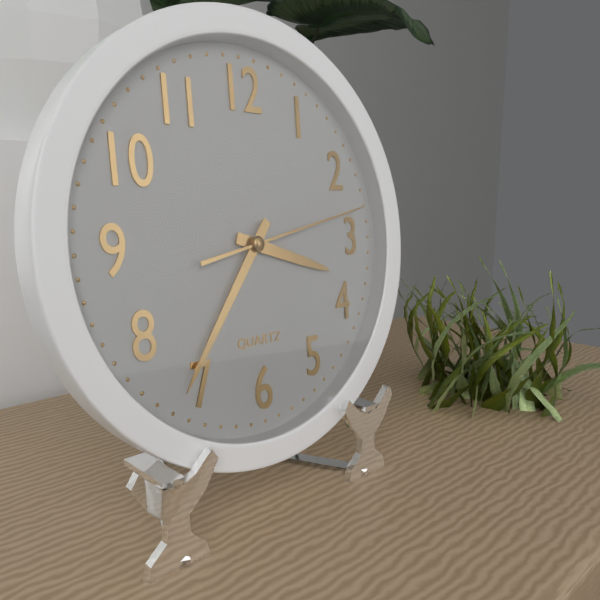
3:36:13
